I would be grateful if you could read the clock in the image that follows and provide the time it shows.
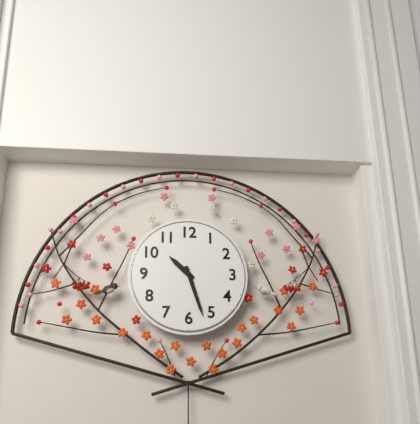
10:27
